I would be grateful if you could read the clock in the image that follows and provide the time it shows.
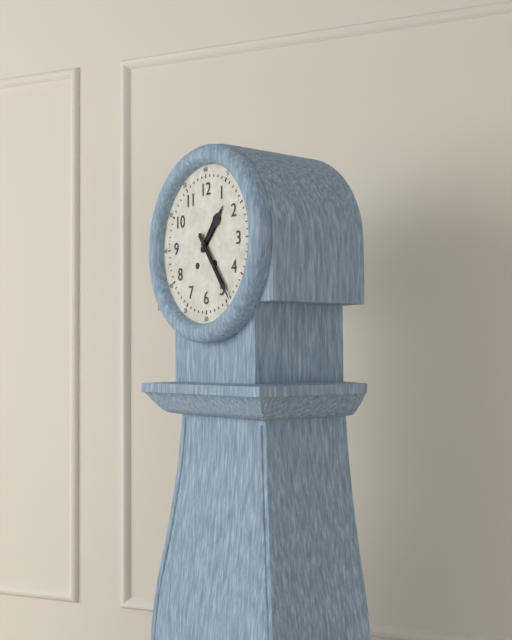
1:24
